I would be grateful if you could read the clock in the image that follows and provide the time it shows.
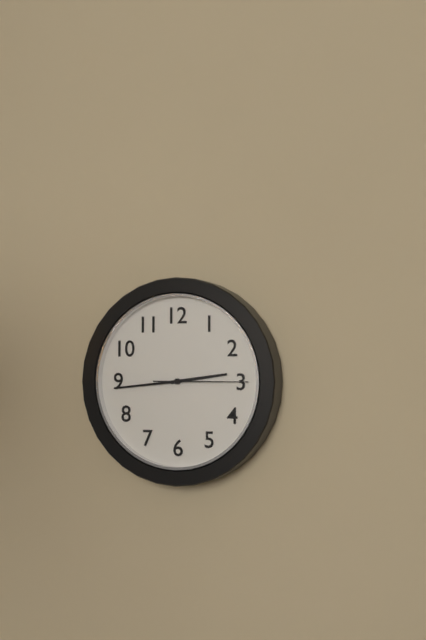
2:44:15
